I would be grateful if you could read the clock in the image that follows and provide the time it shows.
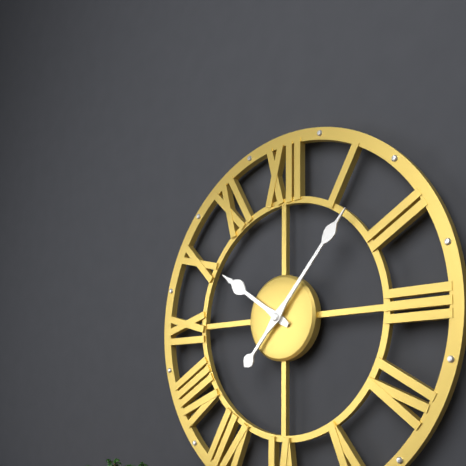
10:07
